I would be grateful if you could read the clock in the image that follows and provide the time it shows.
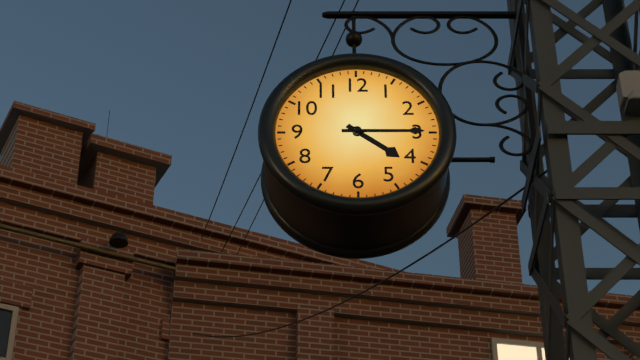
4:15
